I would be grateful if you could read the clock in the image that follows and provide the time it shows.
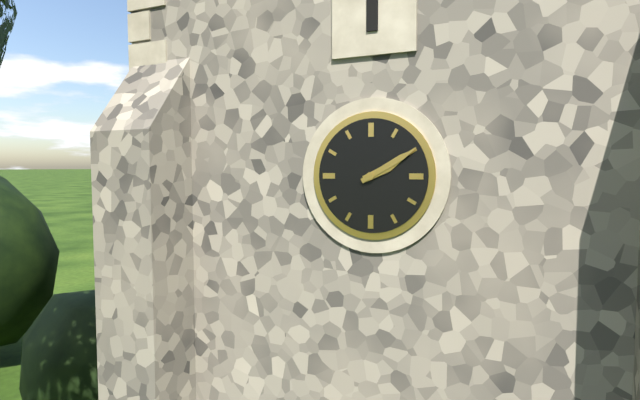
2:10
